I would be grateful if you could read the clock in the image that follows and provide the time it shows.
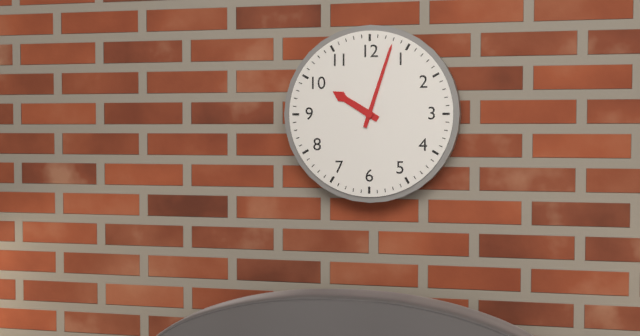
10:03
